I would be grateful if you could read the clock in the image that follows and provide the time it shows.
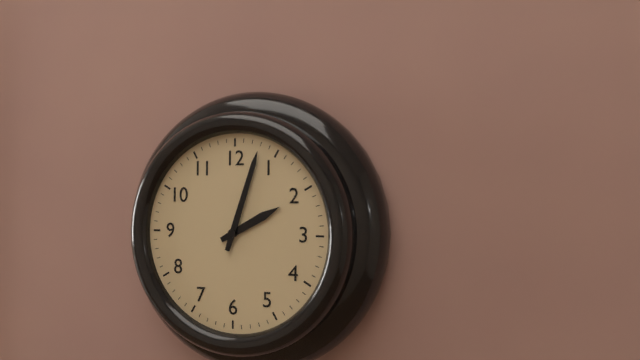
2:03
